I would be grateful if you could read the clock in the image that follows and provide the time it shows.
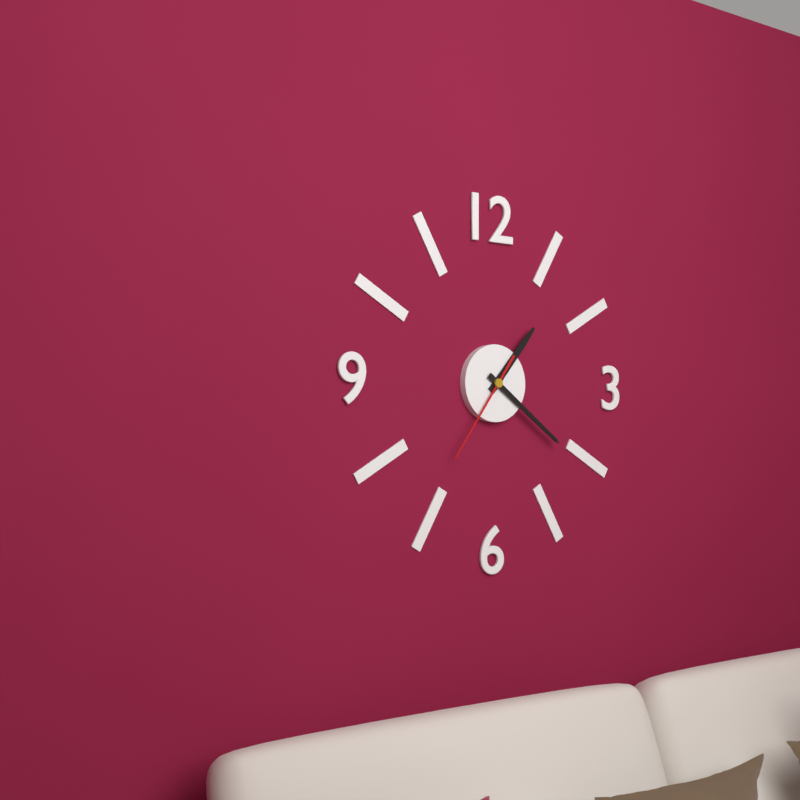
1:21:36
